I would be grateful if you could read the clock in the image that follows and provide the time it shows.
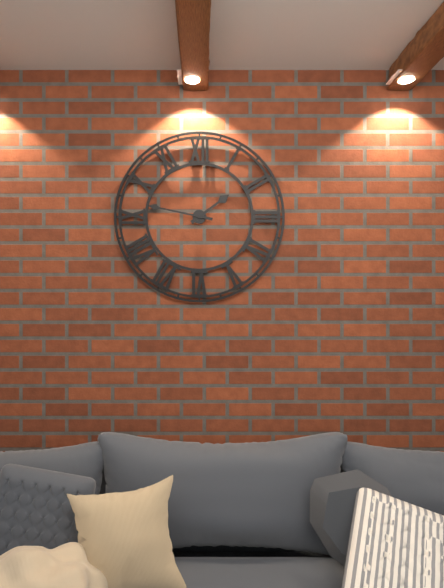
1:47
